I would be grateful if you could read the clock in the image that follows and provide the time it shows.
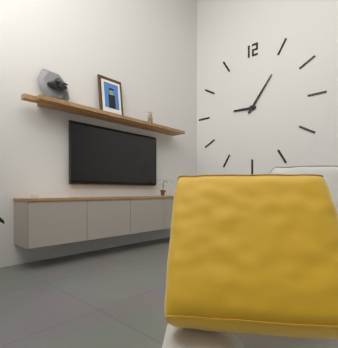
9:06
